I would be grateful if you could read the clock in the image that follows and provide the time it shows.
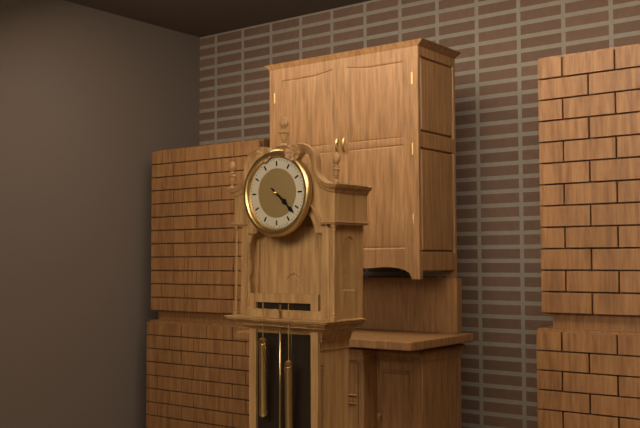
4:22
